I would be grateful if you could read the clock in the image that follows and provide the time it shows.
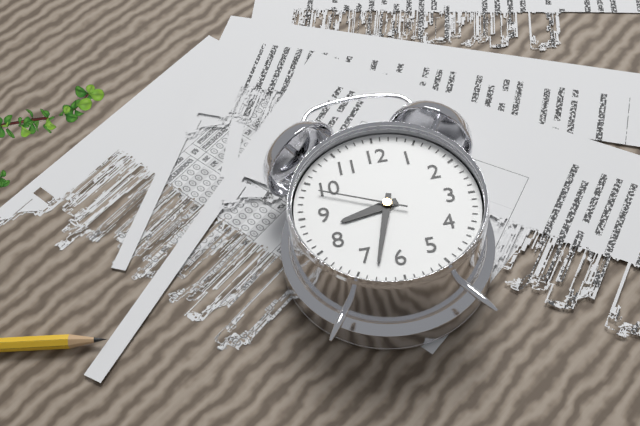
8:33:49
